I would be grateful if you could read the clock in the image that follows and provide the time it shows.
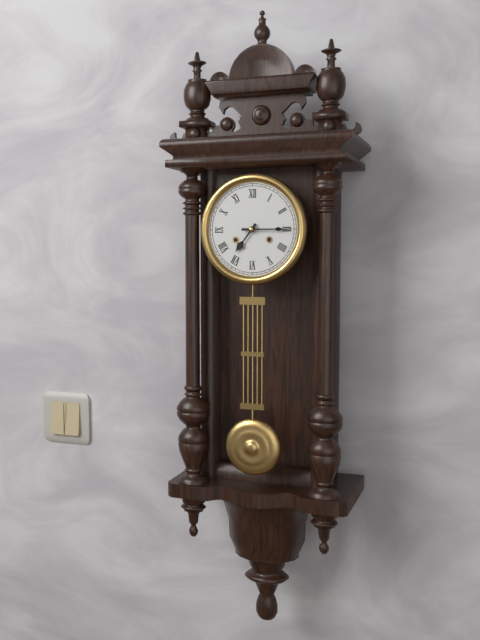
7:15
